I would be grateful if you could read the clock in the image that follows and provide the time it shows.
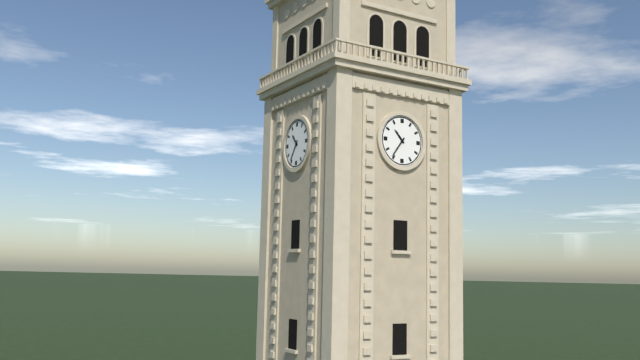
10:36
